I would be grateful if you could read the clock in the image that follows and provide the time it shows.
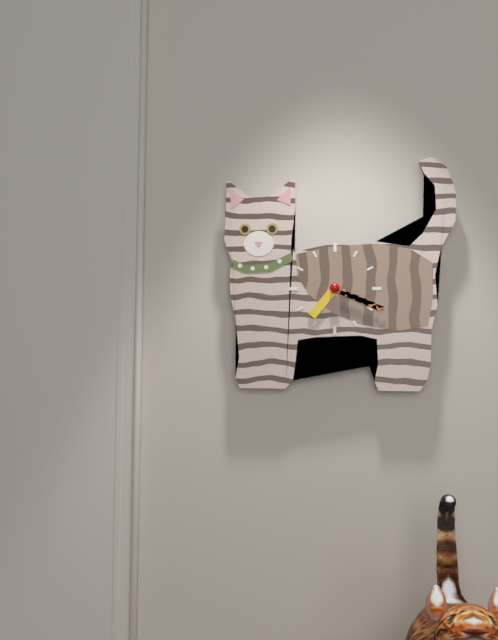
7:19
